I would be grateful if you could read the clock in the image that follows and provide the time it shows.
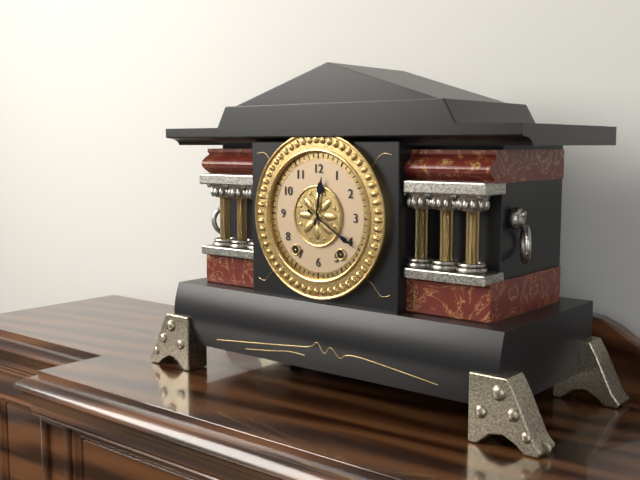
12:20
